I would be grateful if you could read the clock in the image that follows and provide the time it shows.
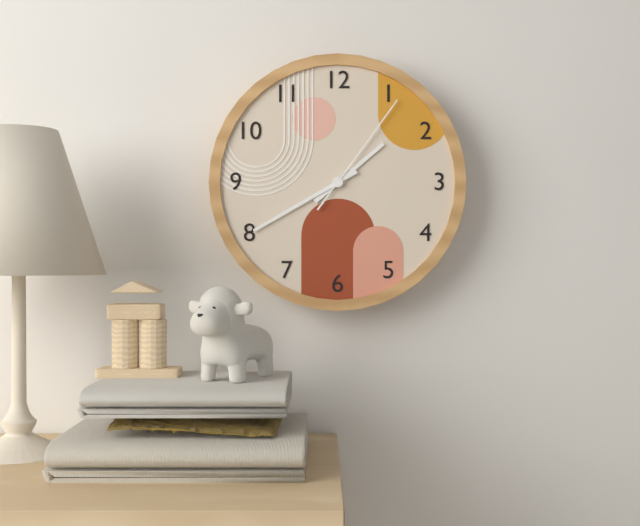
1:40:06
